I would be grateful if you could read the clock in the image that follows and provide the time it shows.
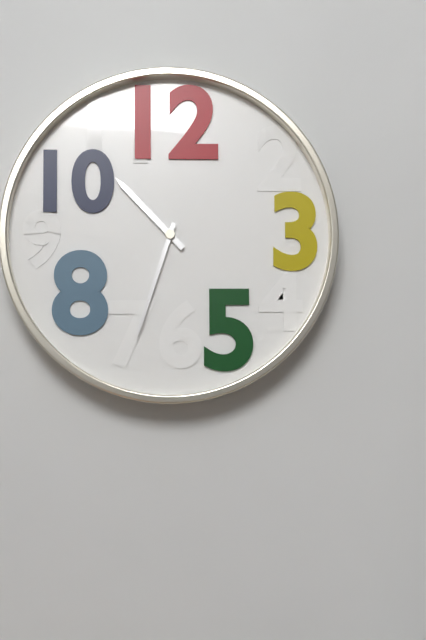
10:33
